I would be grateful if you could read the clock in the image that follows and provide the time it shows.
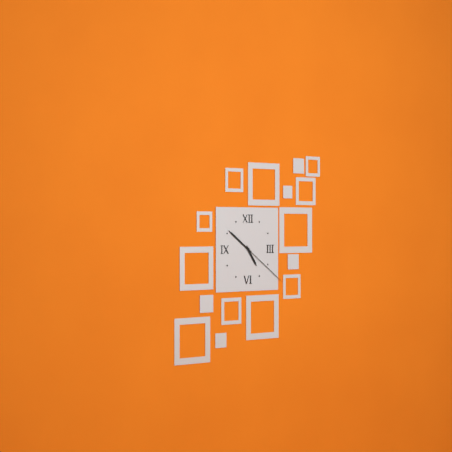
4:51:21
